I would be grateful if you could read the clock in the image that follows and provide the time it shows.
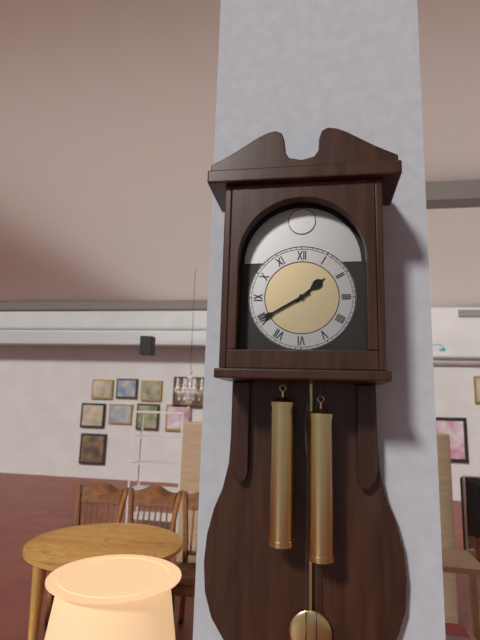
1:40
